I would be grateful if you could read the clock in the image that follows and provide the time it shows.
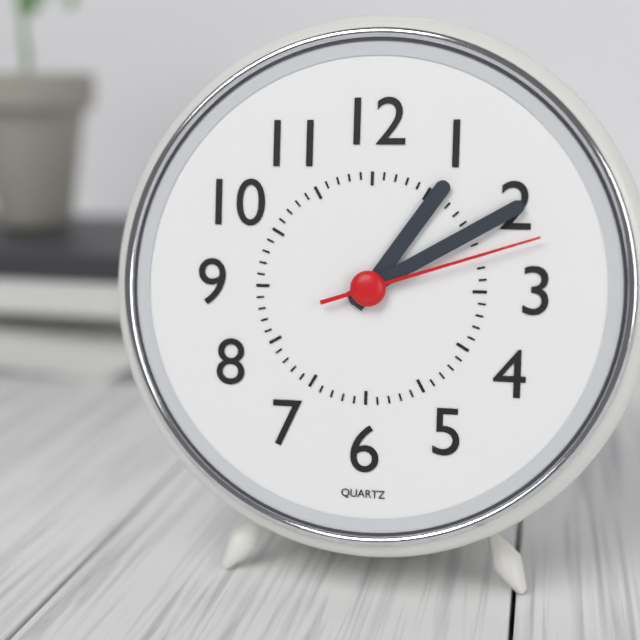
1:10:12
